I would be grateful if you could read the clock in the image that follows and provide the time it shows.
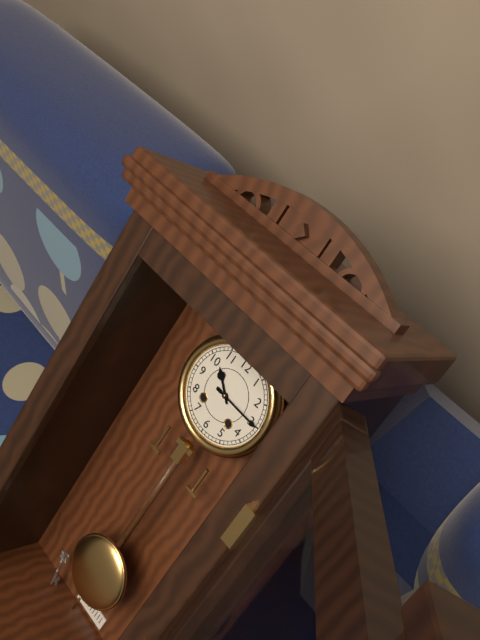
10:15
